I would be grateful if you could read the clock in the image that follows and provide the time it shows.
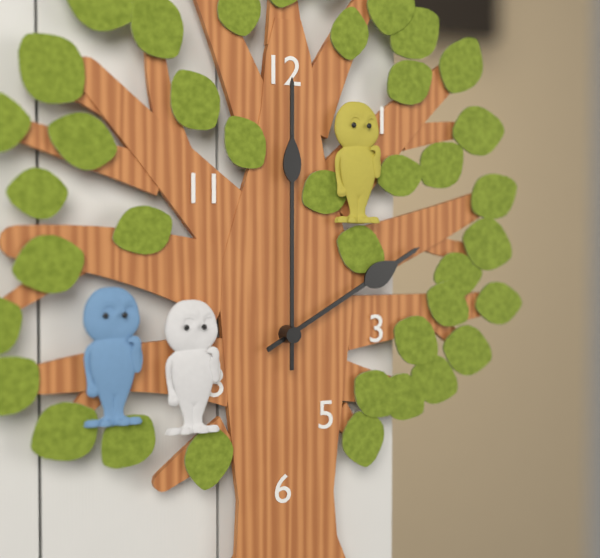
2:00
